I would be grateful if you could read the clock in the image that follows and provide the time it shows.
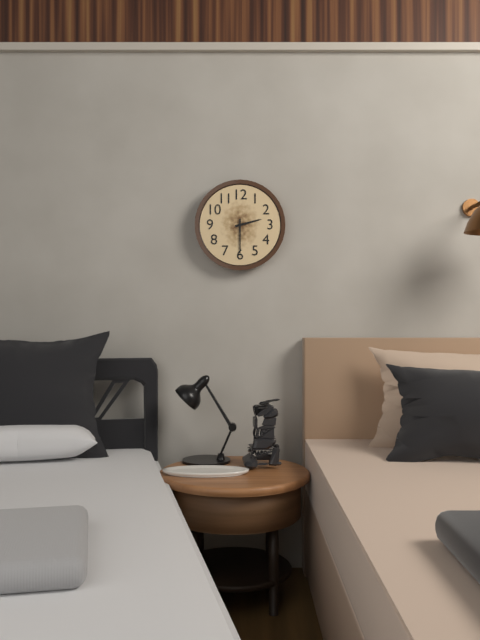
2:30
